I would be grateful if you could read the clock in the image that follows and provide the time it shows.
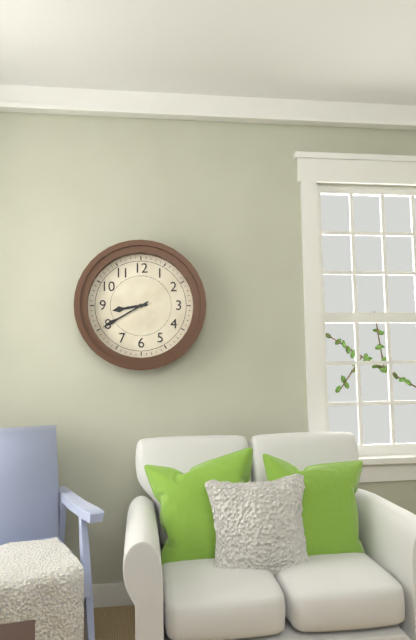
8:40
